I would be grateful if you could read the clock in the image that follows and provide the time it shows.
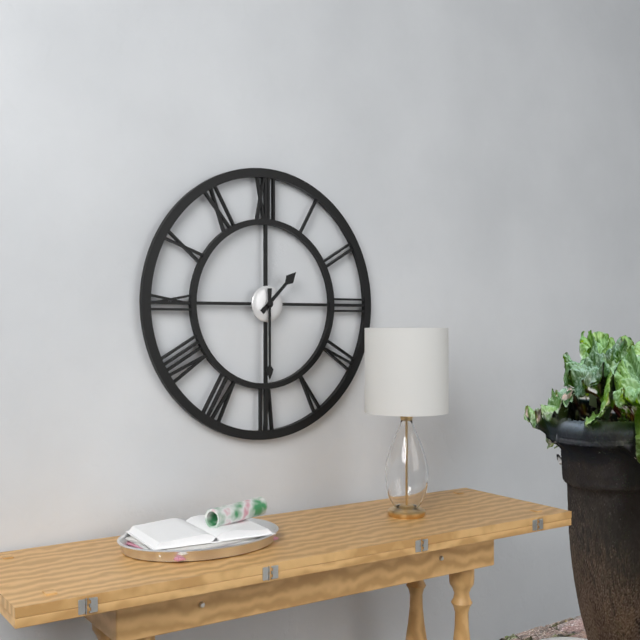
1:30
